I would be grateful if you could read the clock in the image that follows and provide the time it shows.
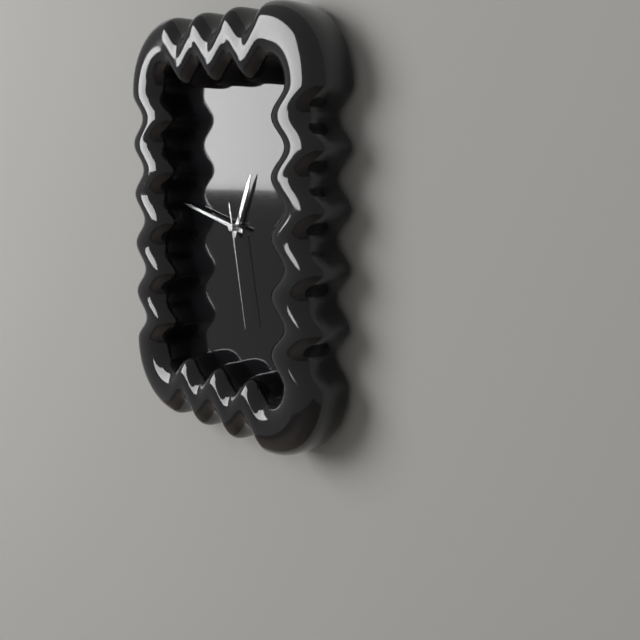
12:47:28
